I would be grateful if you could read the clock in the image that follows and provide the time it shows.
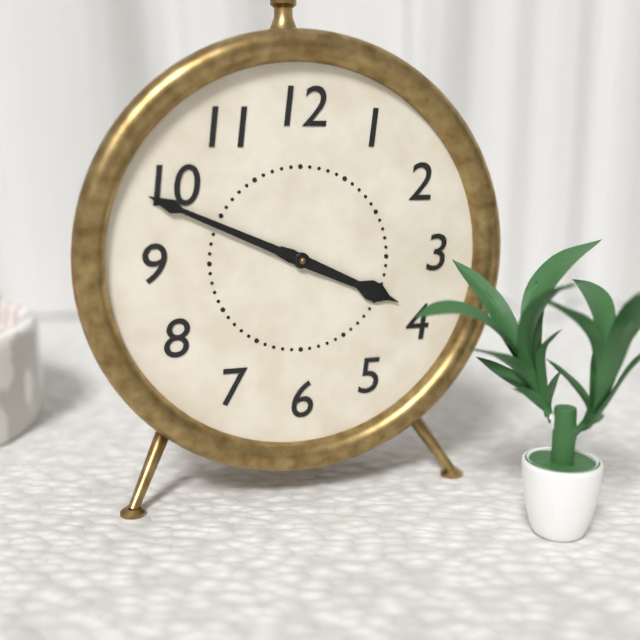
3:49
